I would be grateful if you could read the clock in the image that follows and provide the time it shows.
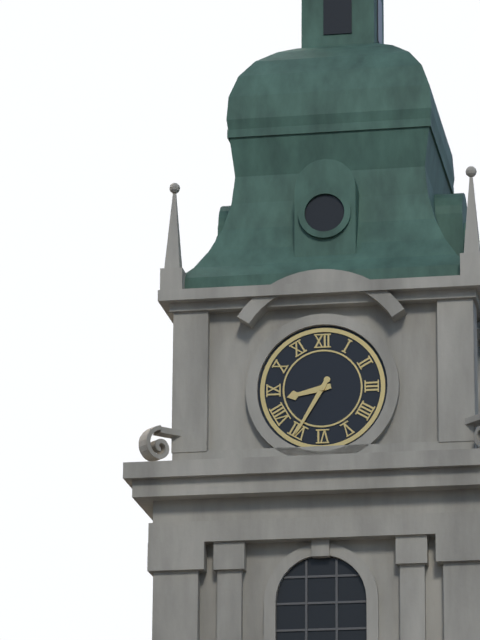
8:35
